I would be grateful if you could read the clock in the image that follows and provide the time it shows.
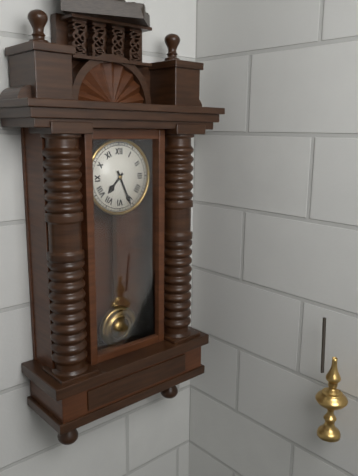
7:26
